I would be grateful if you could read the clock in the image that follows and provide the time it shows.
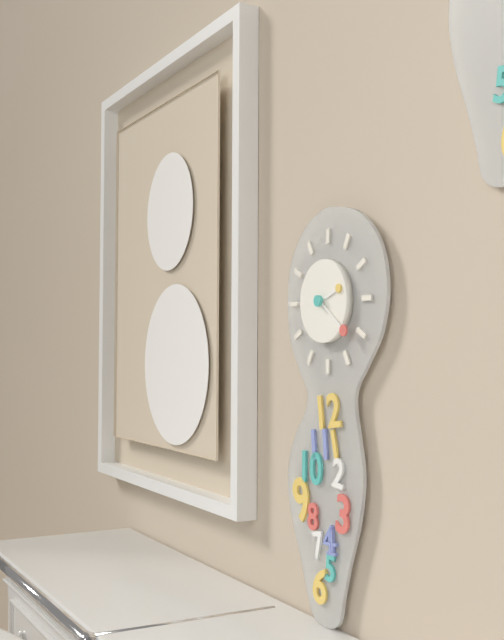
2:21
